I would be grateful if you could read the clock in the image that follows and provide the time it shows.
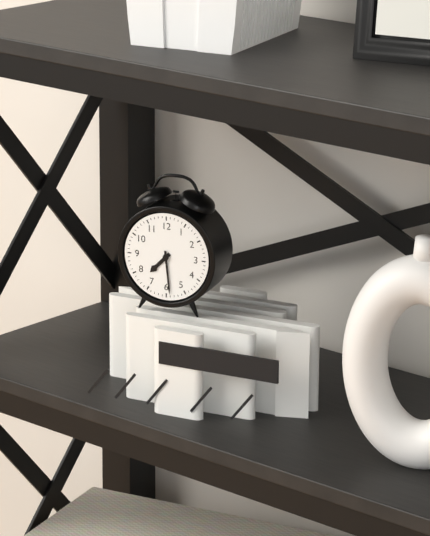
7:29
